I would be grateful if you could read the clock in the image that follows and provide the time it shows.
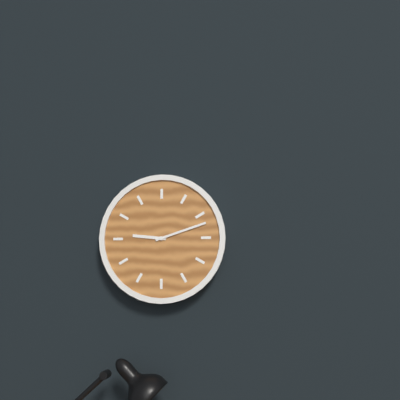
9:12
